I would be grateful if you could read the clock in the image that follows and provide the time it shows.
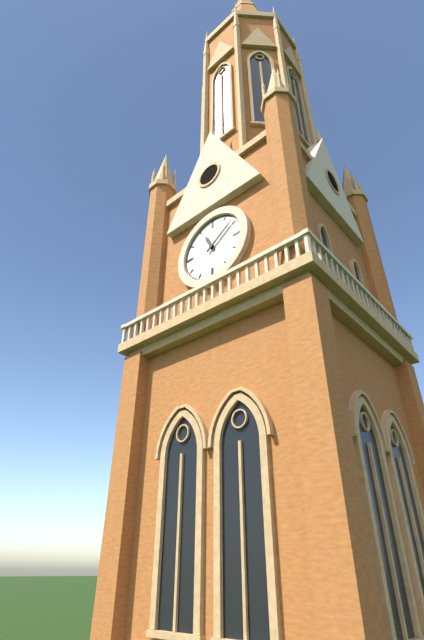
11:09
